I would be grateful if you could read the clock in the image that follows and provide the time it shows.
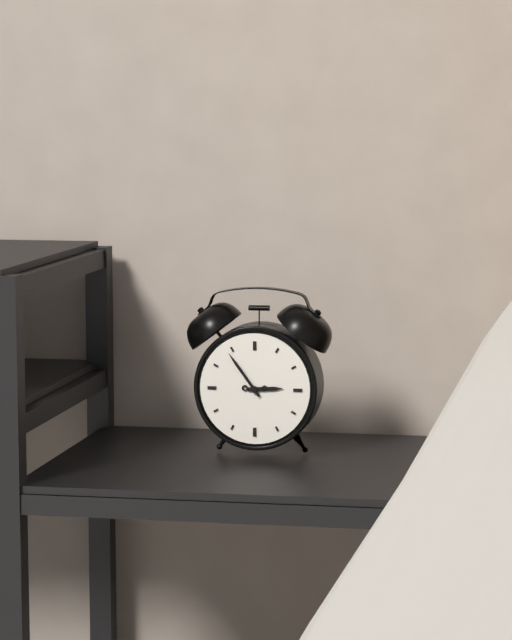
2:54
